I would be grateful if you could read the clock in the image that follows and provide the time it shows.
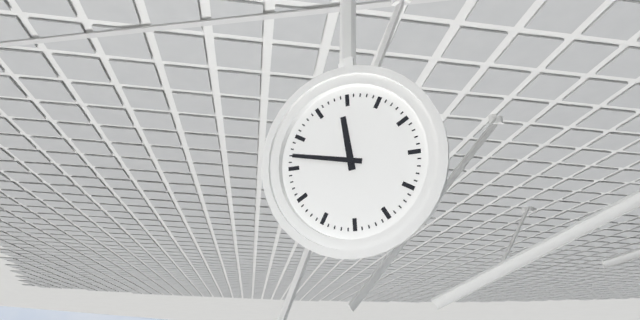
11:47
